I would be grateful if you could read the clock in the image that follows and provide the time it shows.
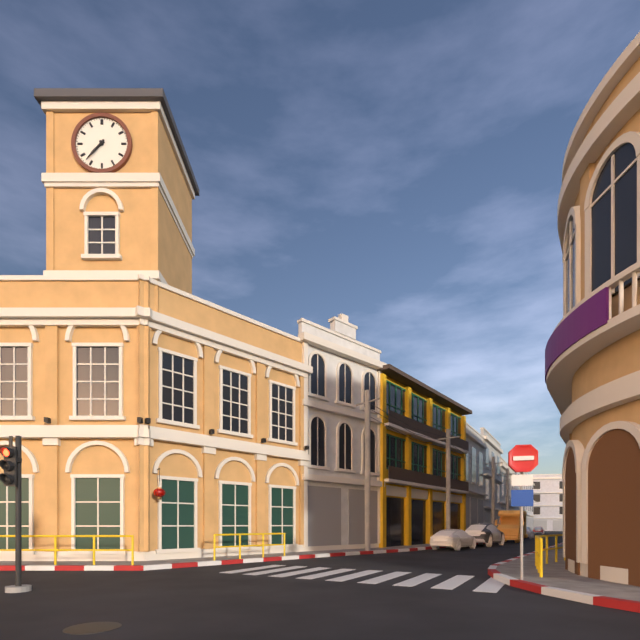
7:37
